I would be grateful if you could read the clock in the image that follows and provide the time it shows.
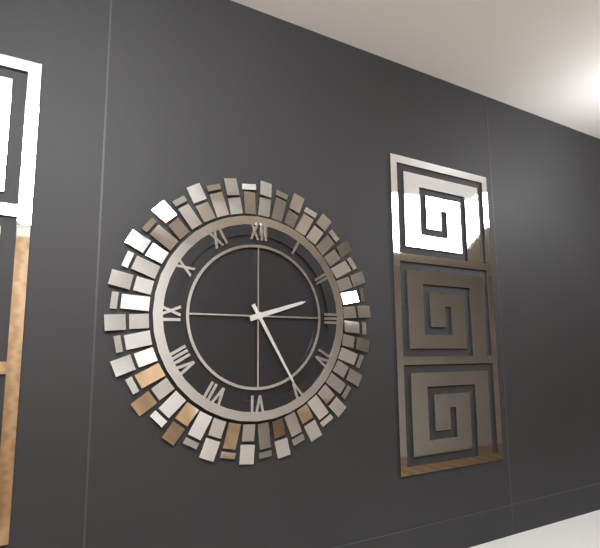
2:25
